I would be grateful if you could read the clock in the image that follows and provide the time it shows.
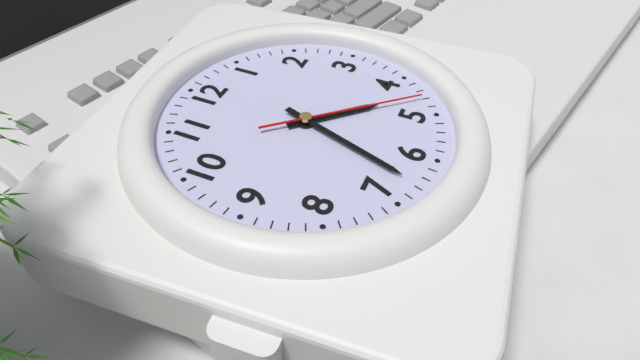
4:33:23
